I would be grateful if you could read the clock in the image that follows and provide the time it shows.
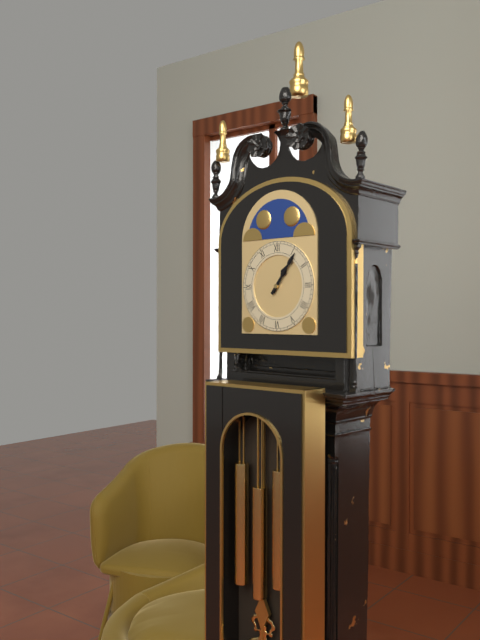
1:06
